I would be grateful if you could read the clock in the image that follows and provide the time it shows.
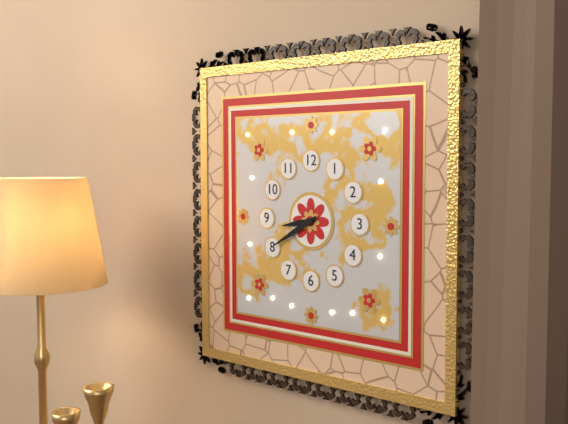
8:40
